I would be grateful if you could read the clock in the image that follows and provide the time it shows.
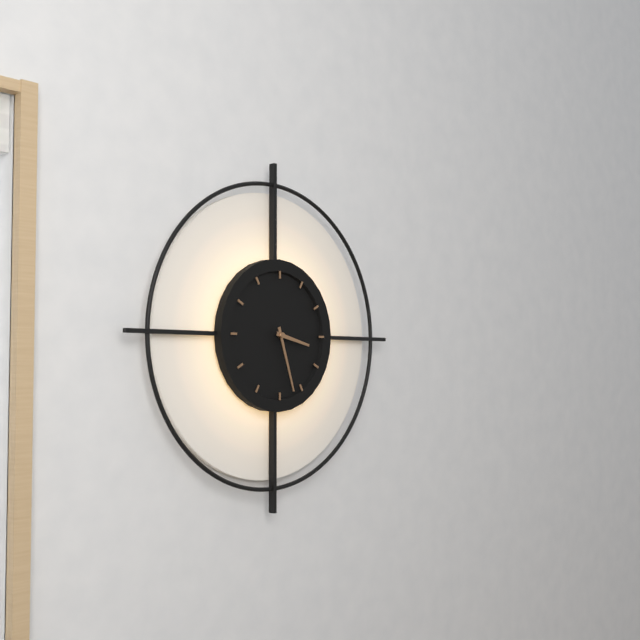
3:27
